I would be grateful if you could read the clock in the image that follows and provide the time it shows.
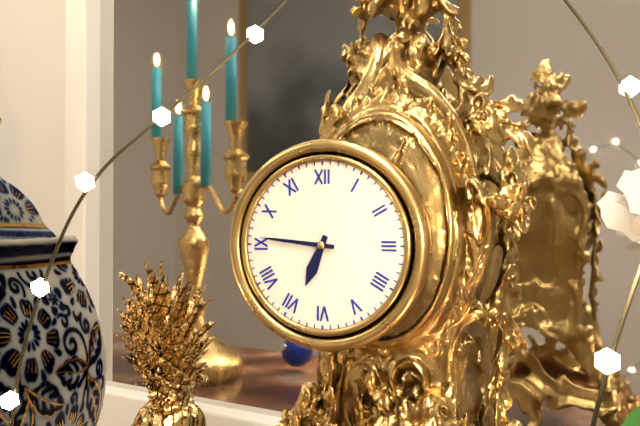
6:46
